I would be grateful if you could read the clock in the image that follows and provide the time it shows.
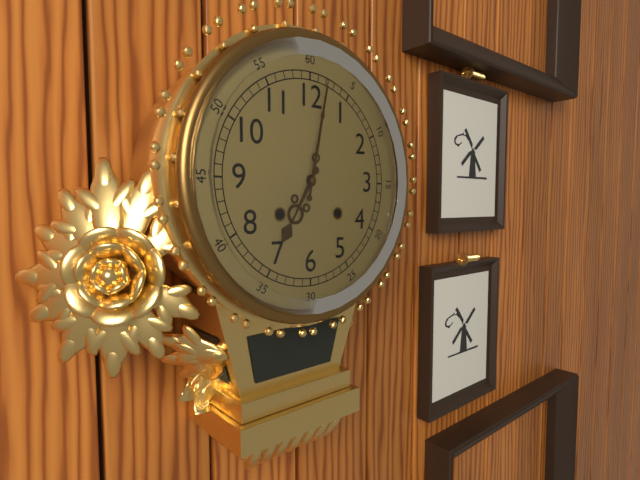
7:02
